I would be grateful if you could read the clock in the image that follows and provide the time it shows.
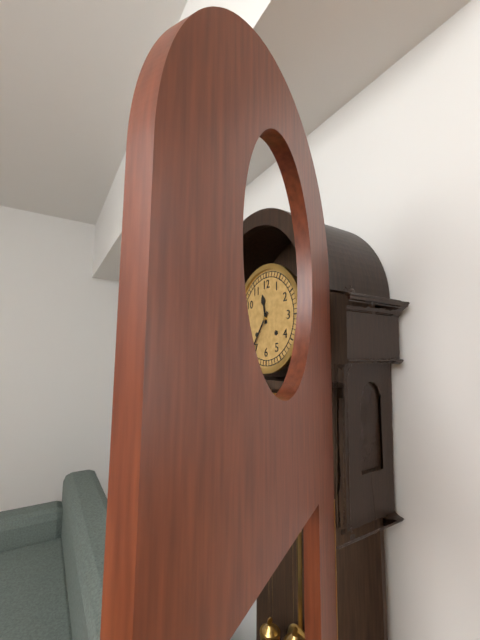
11:36
